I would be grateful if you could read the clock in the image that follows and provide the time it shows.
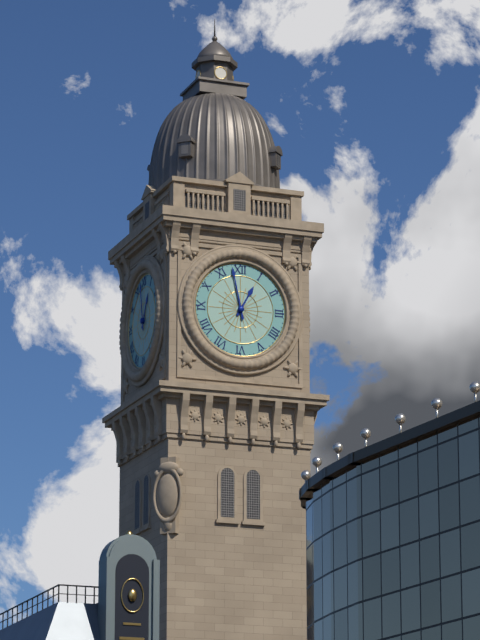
12:58
